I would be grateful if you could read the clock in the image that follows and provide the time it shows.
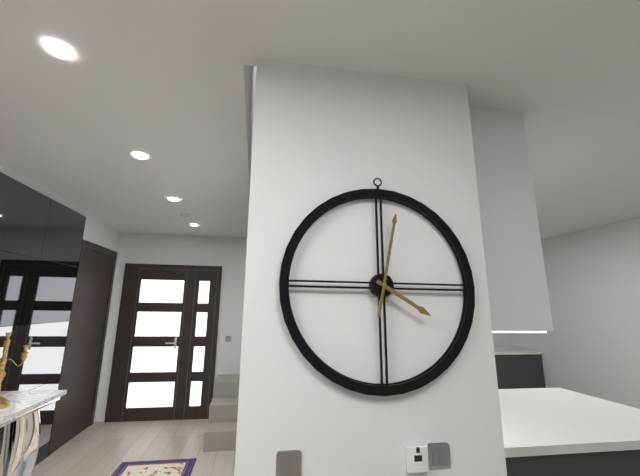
4:02
